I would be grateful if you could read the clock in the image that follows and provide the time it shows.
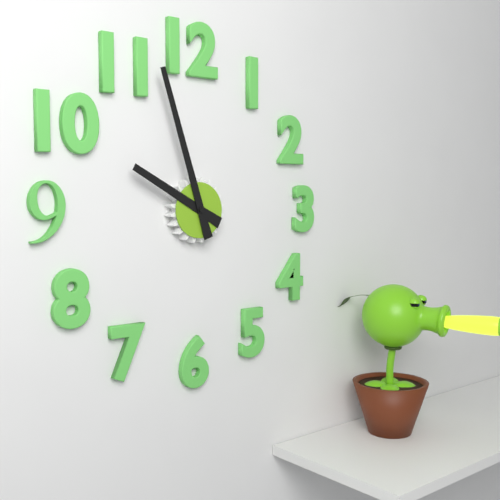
9:57
